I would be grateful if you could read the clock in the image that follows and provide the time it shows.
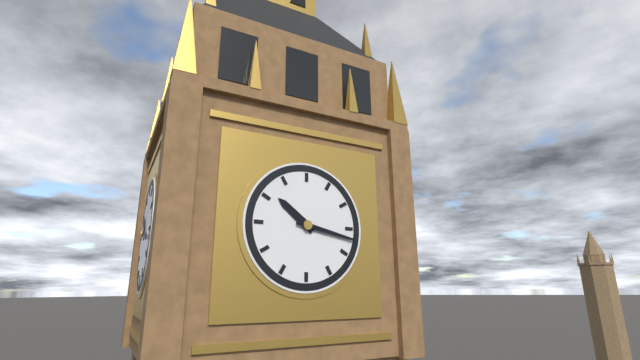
10:17
